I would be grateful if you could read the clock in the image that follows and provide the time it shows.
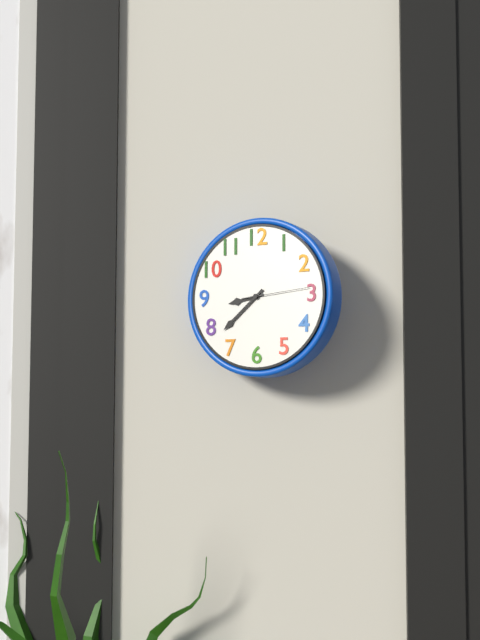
8:38:14
